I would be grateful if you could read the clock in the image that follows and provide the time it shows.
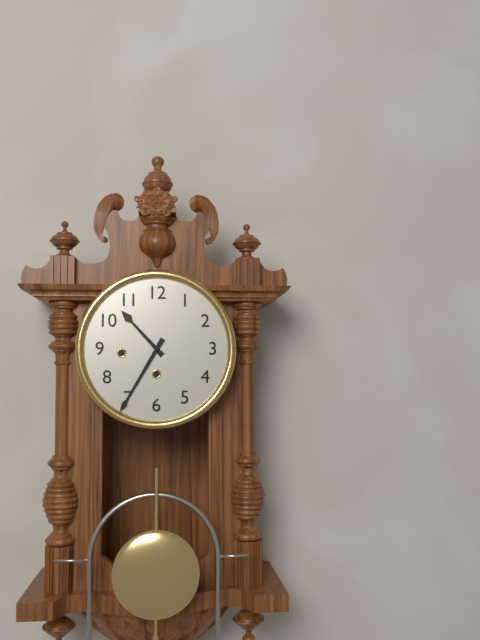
10:35
